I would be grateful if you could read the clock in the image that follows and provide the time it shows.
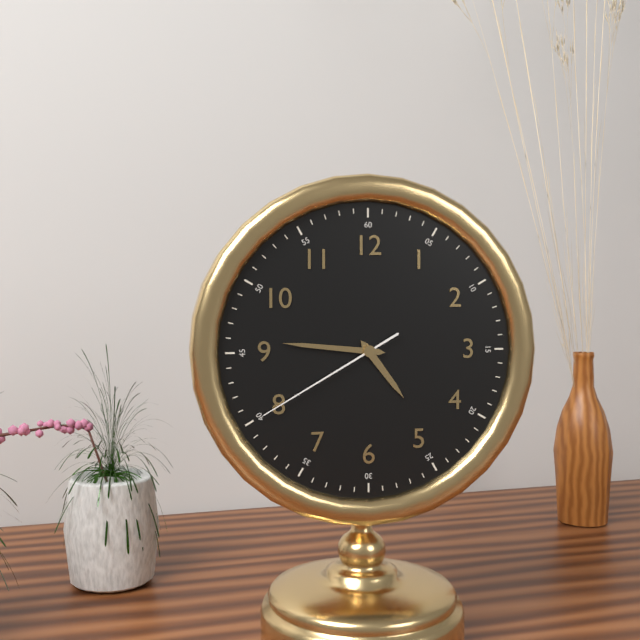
4:46:40
